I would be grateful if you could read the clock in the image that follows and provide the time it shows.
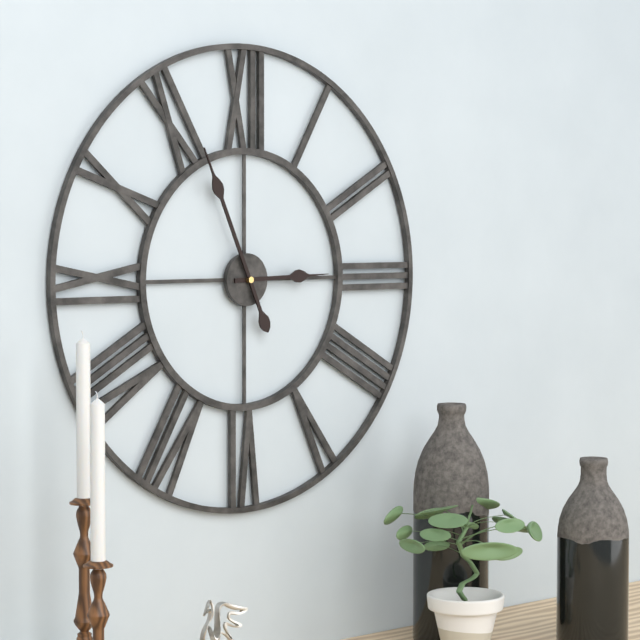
2:56
